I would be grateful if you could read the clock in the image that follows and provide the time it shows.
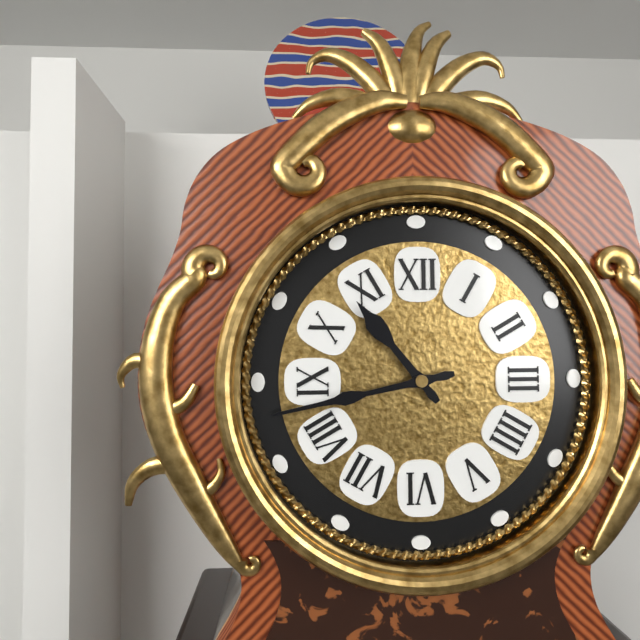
10:43
